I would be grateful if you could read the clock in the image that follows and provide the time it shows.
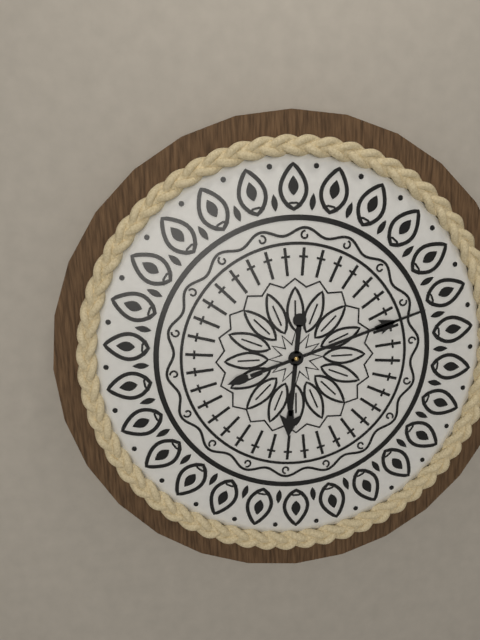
6:12
